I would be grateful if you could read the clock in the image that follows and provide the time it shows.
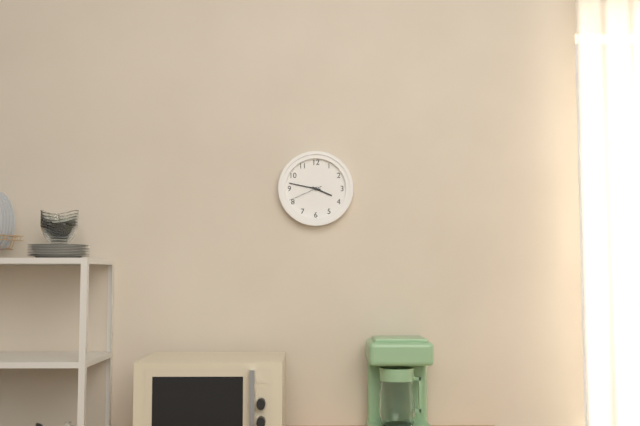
3:47
